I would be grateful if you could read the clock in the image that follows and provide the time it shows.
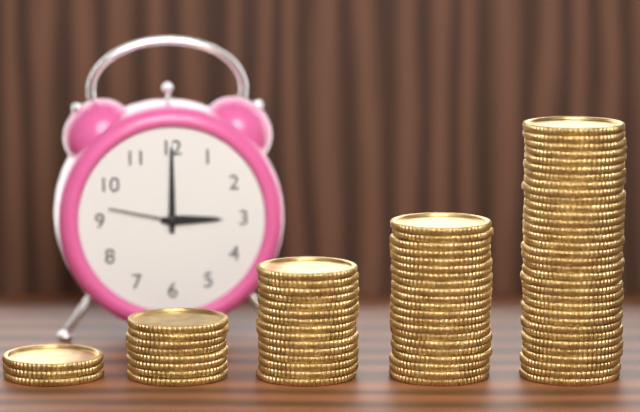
3:00:47
